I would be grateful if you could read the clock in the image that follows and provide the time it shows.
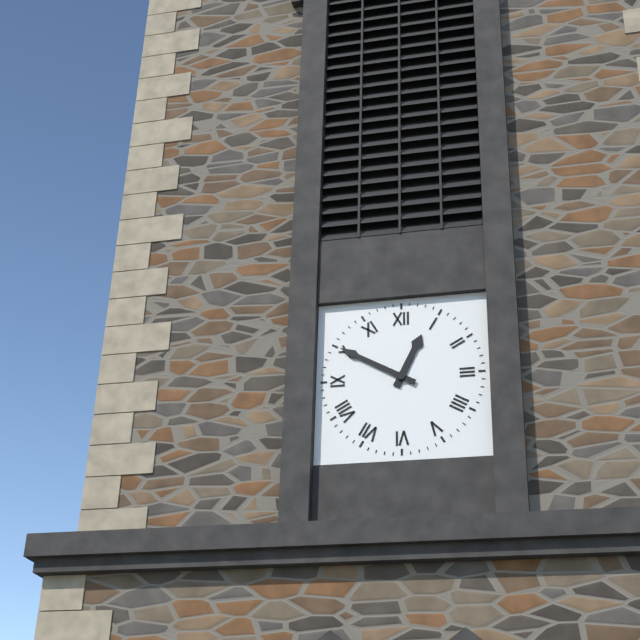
12:50
